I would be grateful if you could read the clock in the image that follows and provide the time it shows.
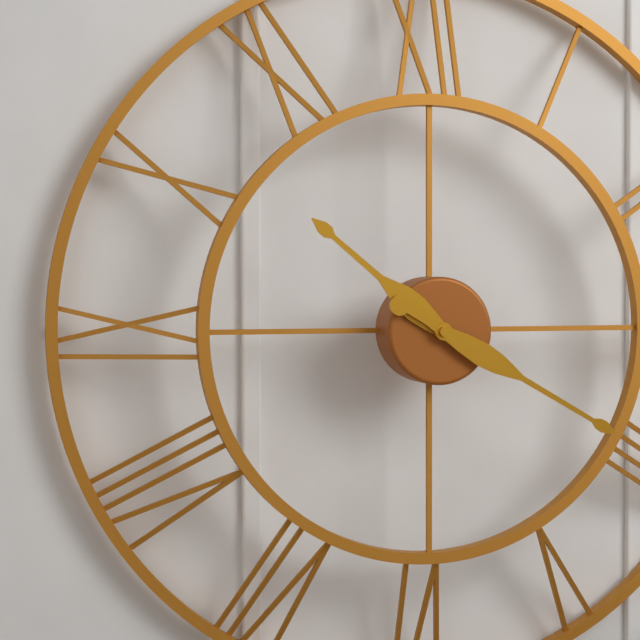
10:20
